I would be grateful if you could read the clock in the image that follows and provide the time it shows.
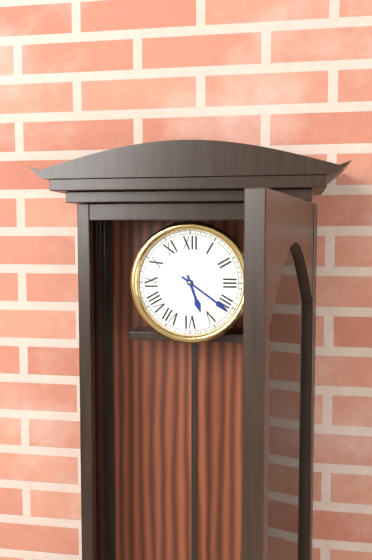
5:21
